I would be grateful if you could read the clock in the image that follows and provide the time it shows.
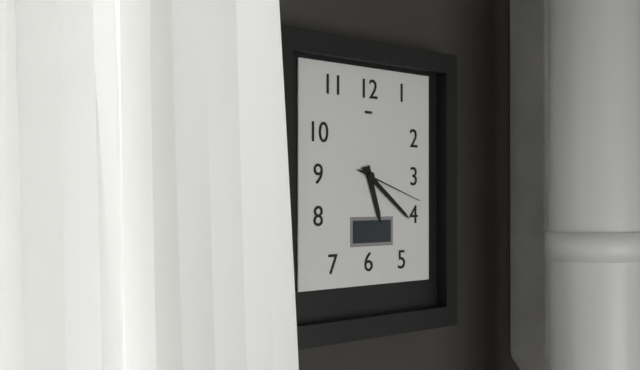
5:21:18
